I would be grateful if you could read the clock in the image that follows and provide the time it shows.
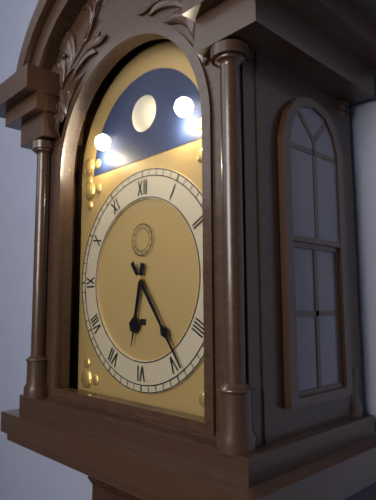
6:24
